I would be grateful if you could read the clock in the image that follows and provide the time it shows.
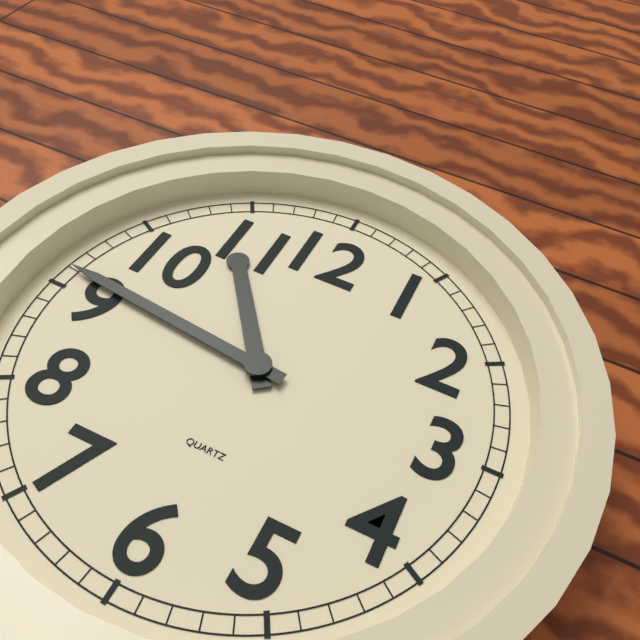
10:46
